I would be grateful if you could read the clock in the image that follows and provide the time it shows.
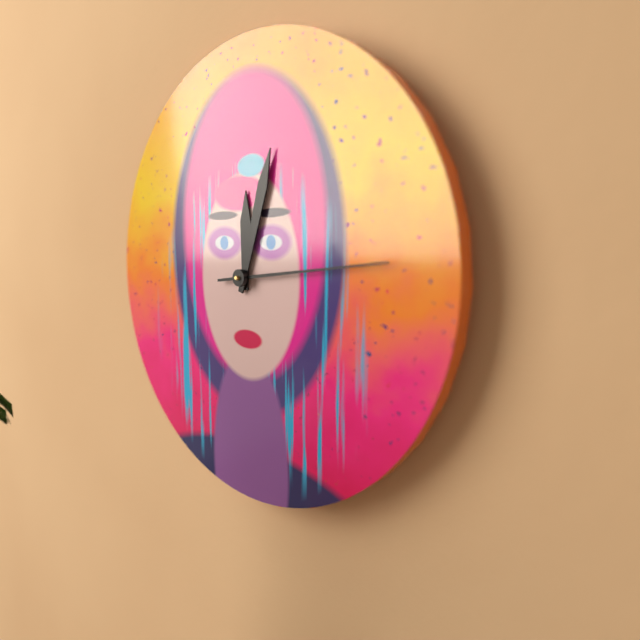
12:03:14
